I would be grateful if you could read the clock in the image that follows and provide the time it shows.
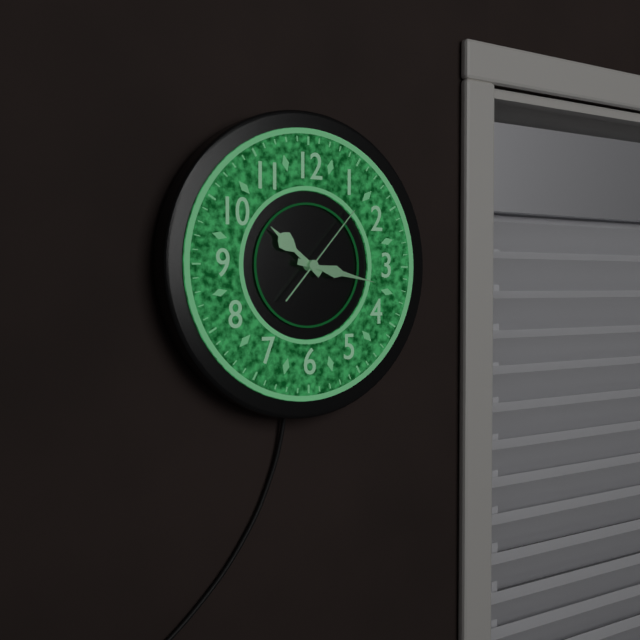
10:17:07
